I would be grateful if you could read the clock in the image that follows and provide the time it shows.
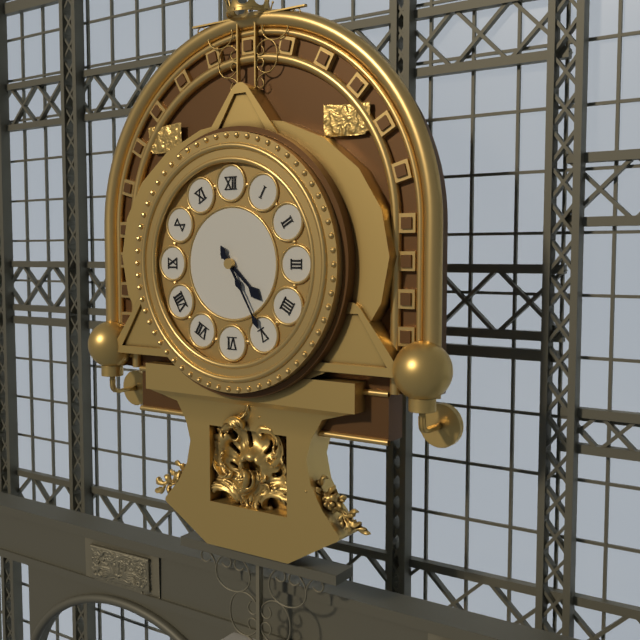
4:25
